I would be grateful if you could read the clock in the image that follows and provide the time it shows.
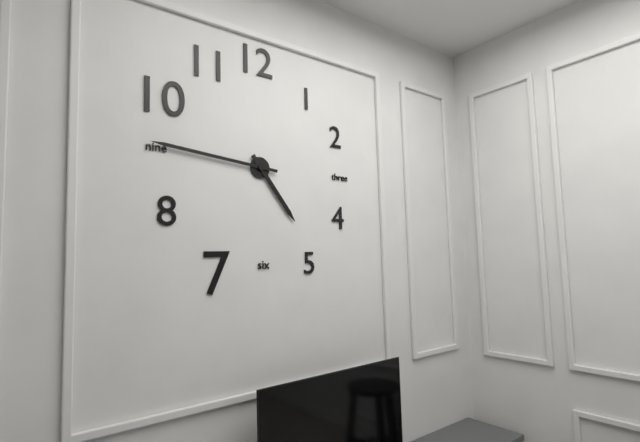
4:46
